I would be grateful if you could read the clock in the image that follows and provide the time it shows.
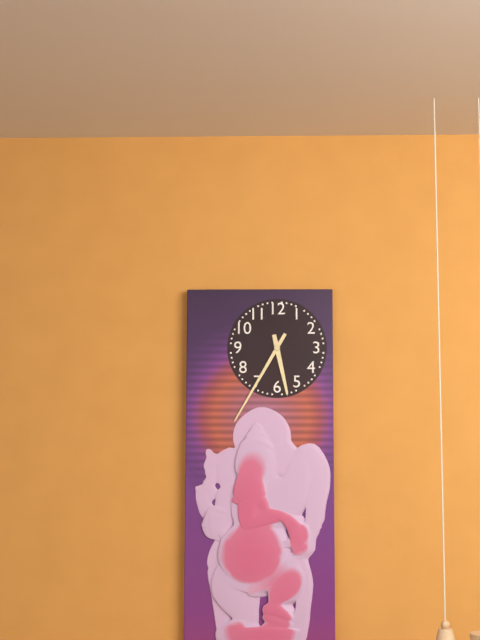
5:35
